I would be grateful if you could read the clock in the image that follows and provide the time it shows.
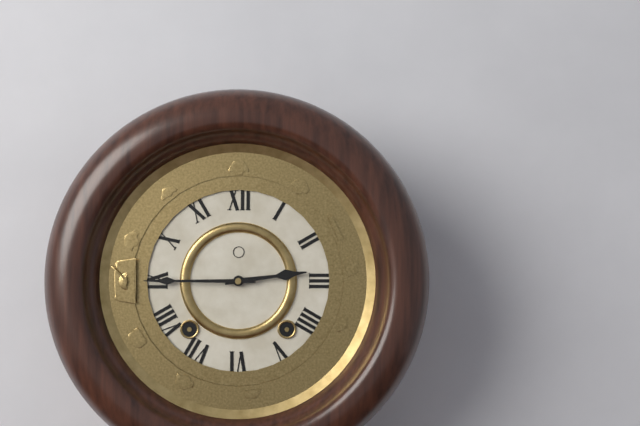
2:45
